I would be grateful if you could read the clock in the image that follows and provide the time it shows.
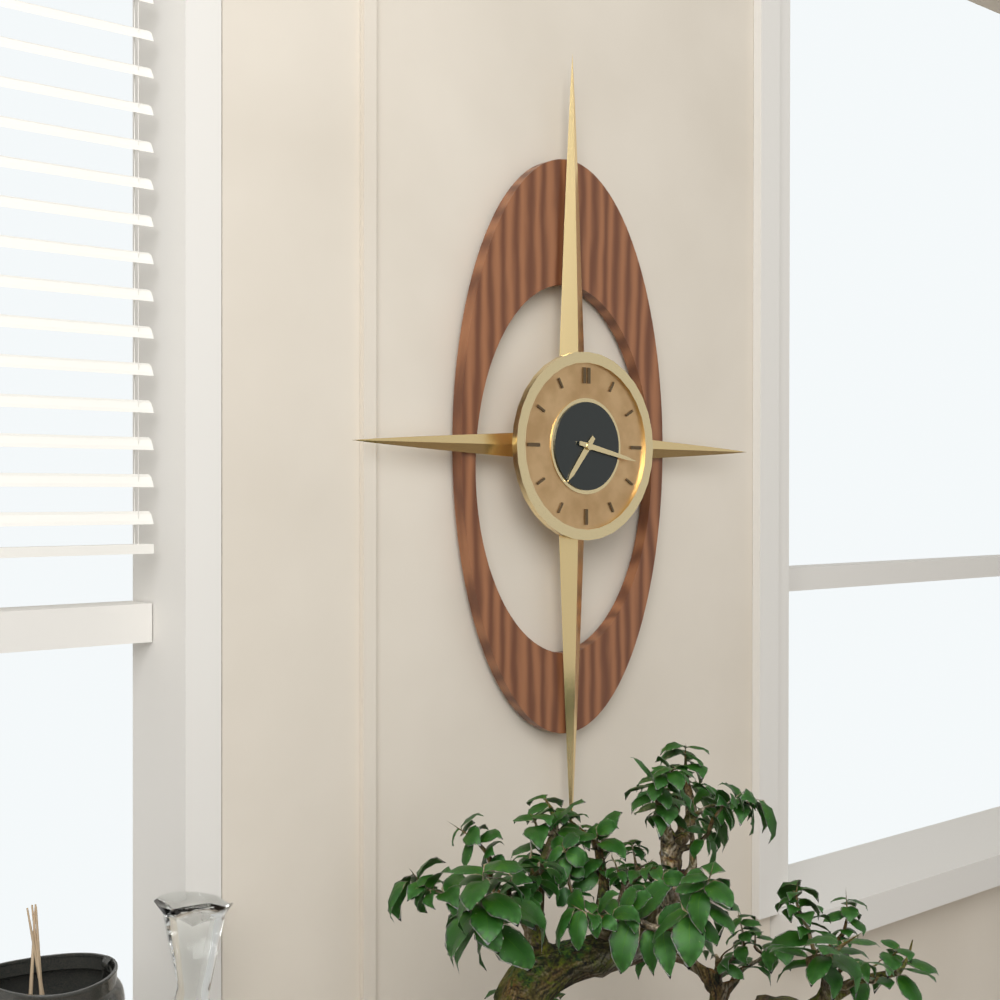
7:17
